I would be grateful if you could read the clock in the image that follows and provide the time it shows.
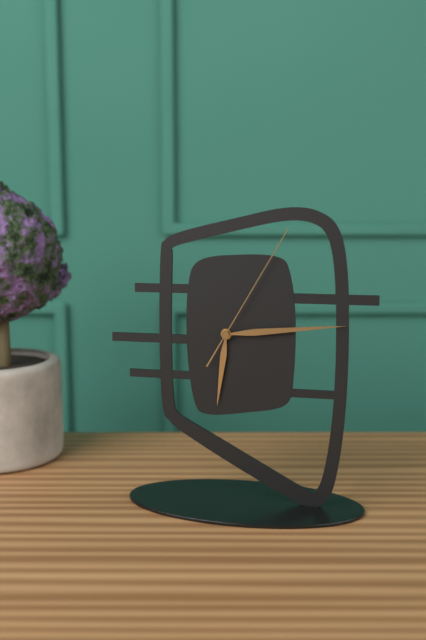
6:14:05
